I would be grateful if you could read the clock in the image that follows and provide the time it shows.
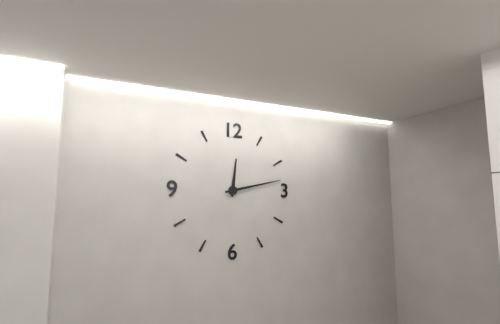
12:13
